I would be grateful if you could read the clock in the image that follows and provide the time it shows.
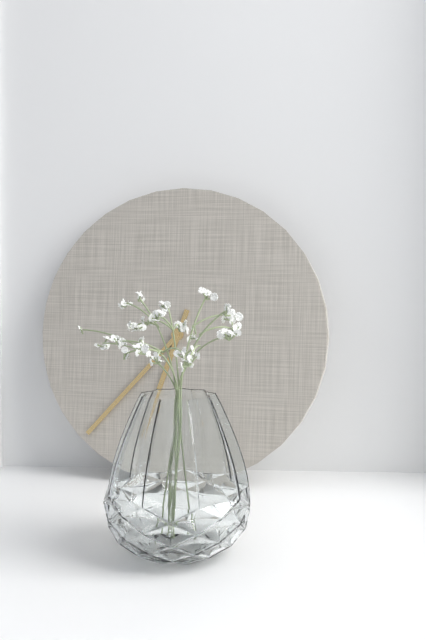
6:37
